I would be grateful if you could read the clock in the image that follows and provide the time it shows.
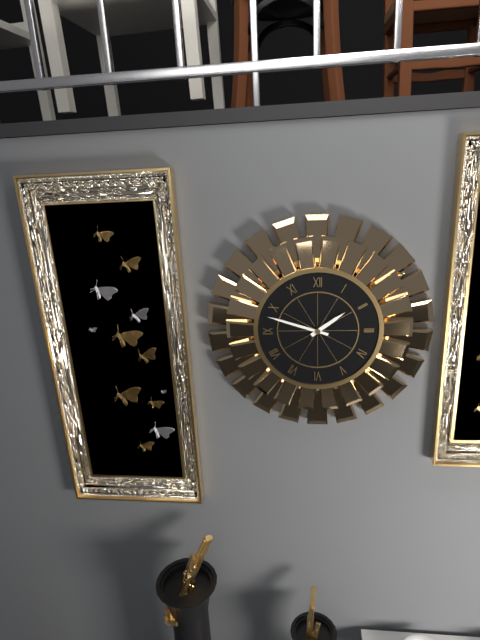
1:48
